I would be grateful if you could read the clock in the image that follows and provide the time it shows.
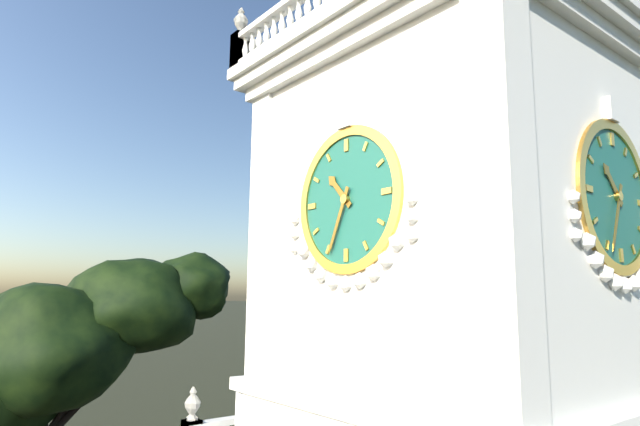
10:34
